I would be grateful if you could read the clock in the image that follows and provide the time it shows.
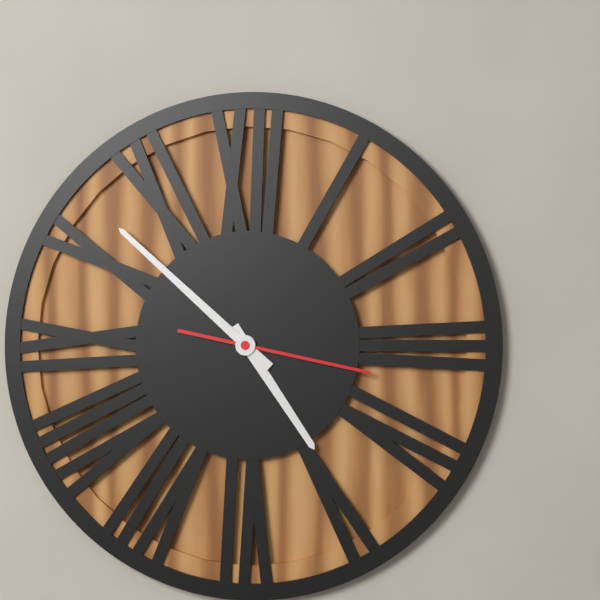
4:52:17
